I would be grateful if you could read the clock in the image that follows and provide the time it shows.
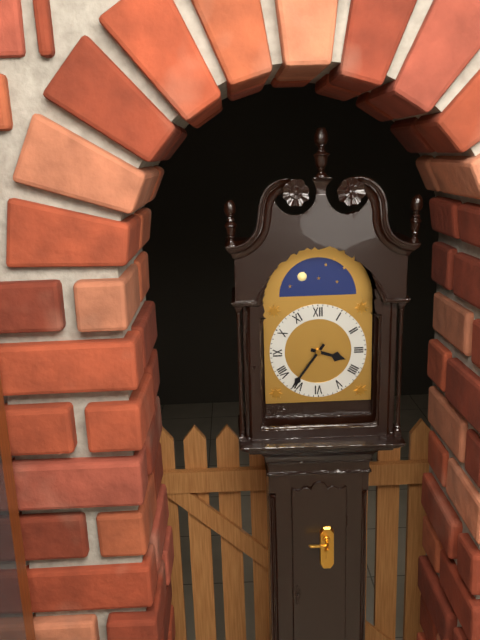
3:36
